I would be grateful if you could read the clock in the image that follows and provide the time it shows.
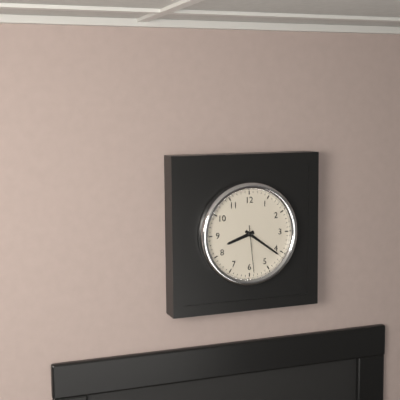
8:21
